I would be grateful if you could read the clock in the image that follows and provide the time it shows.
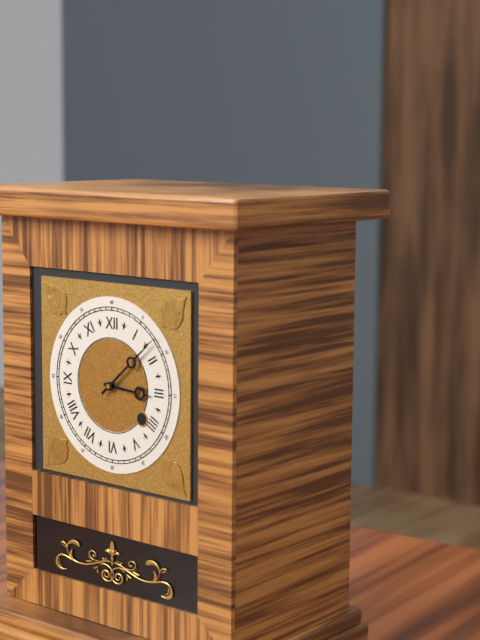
3:08
